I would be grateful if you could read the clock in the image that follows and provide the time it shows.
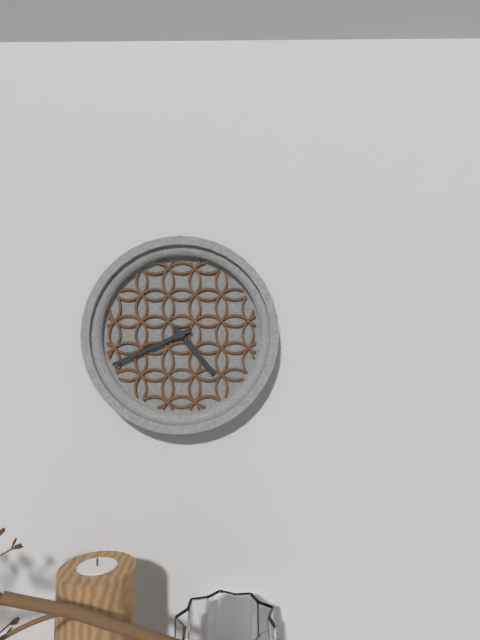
4:41
